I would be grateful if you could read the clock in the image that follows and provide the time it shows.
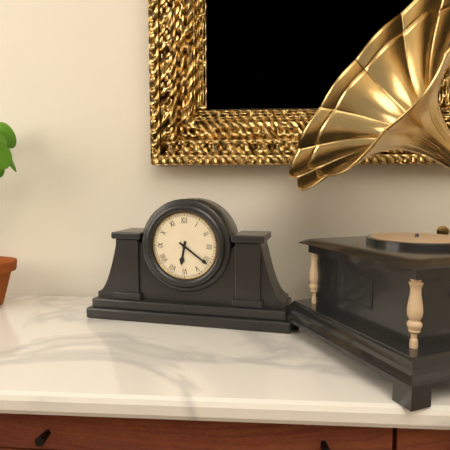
6:21
